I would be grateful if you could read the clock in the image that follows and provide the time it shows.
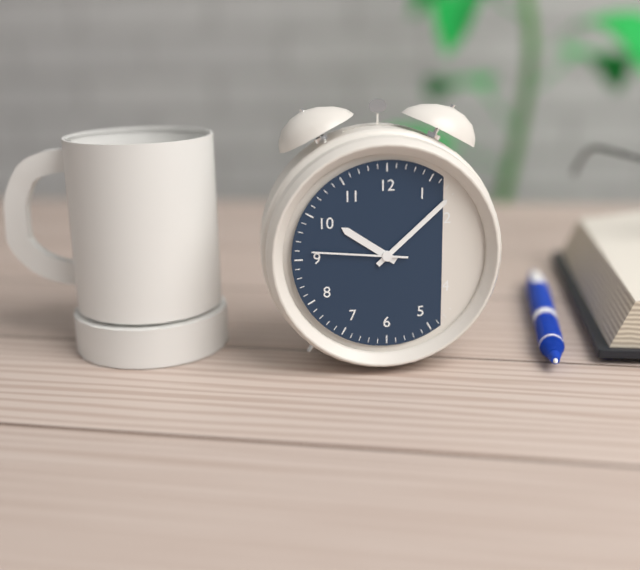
10:08:46
